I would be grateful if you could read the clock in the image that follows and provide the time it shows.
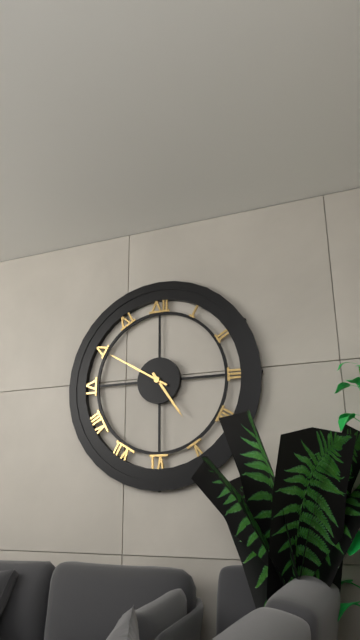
4:50
